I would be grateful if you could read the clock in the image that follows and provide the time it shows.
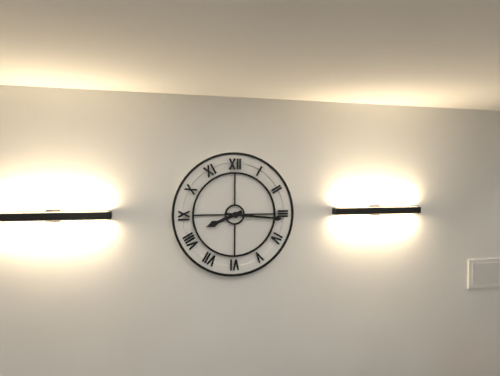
8:16
